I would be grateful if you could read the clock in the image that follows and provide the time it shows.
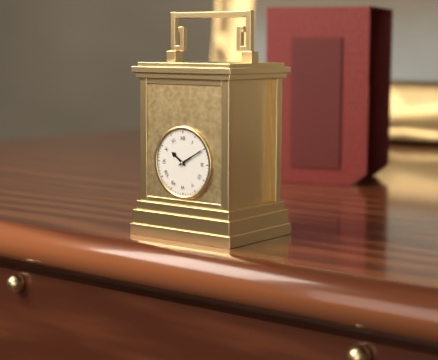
10:10
